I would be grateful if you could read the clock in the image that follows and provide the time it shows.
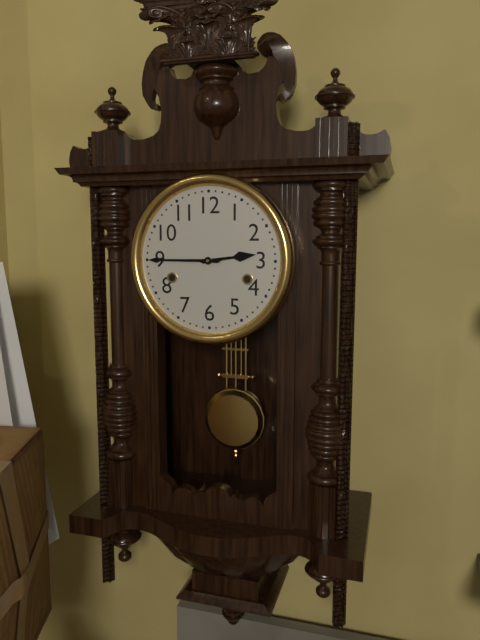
2:45
